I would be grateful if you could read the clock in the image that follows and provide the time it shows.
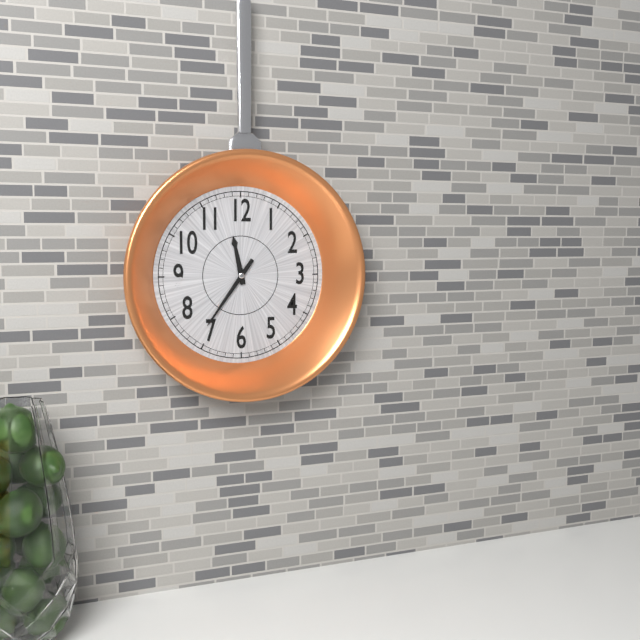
11:36
